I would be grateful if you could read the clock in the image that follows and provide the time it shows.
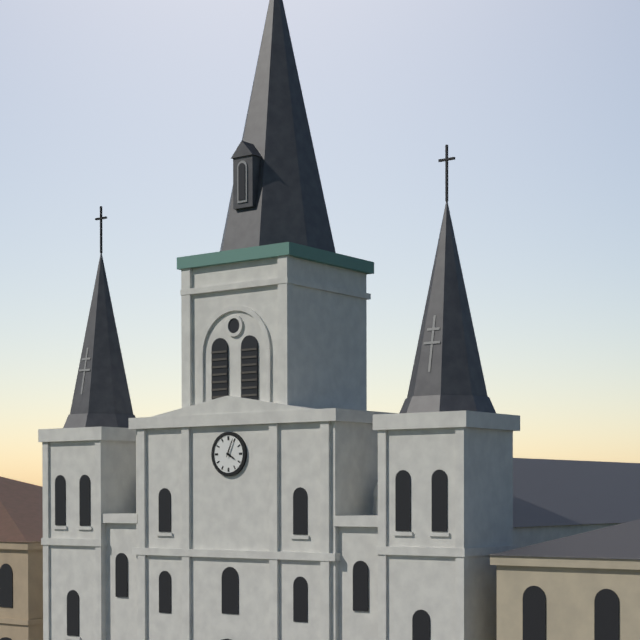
4:04
